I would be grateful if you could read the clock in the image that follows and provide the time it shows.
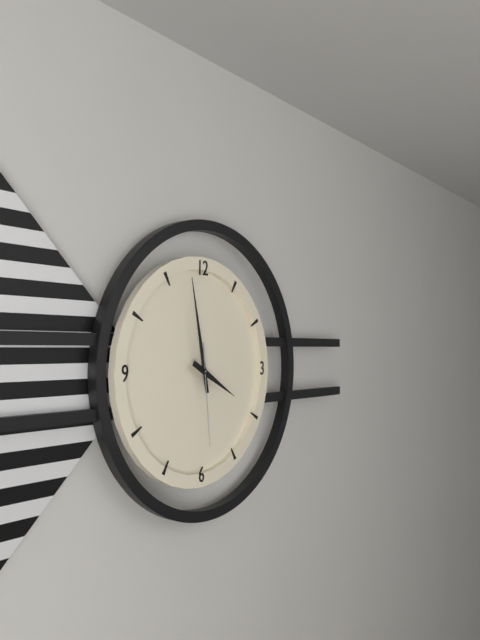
3:58:29
